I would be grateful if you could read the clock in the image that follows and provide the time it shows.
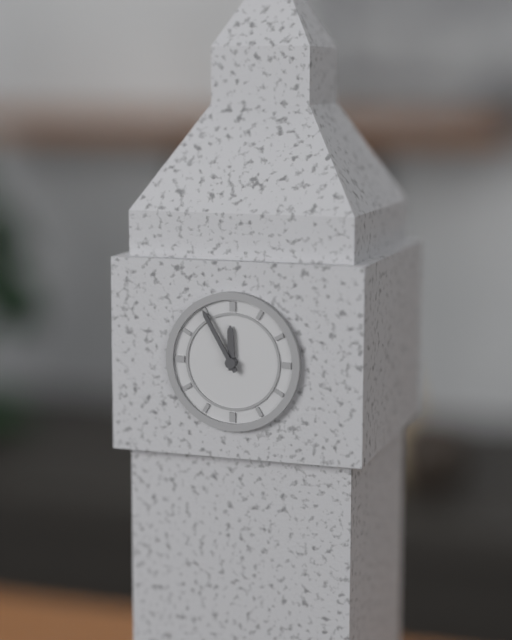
11:55
